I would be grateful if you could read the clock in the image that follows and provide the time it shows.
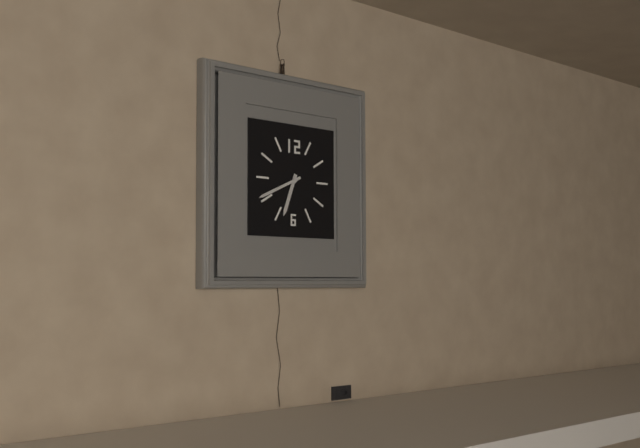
6:41
